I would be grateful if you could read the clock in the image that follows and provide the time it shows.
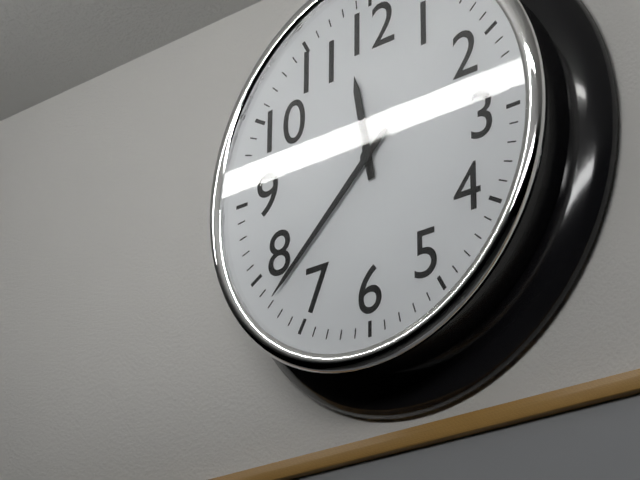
11:38
